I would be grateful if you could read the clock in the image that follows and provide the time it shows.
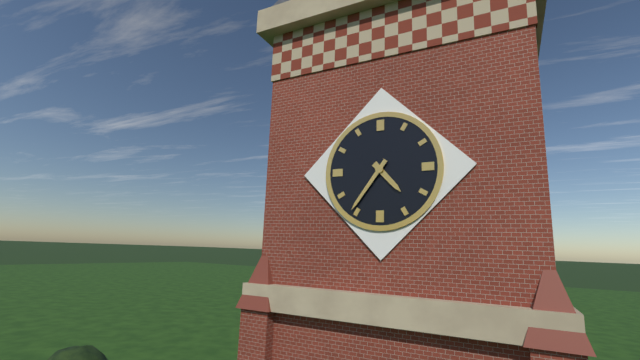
4:36
